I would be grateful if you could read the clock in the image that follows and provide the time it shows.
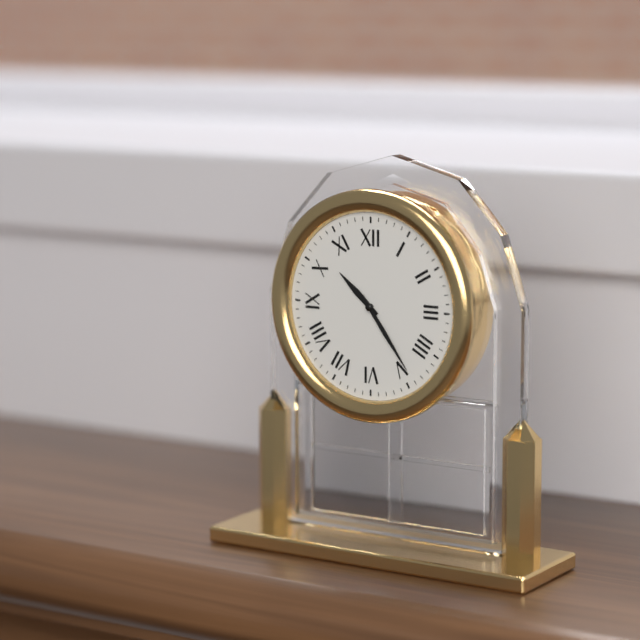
10:24
